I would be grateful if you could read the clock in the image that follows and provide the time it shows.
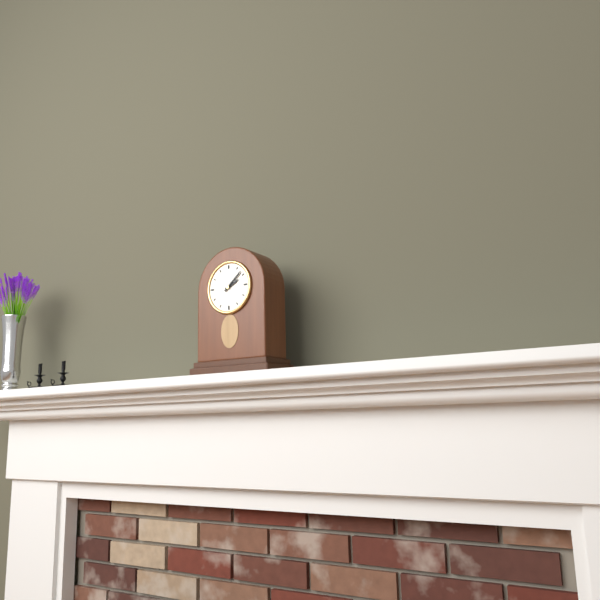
2:08
